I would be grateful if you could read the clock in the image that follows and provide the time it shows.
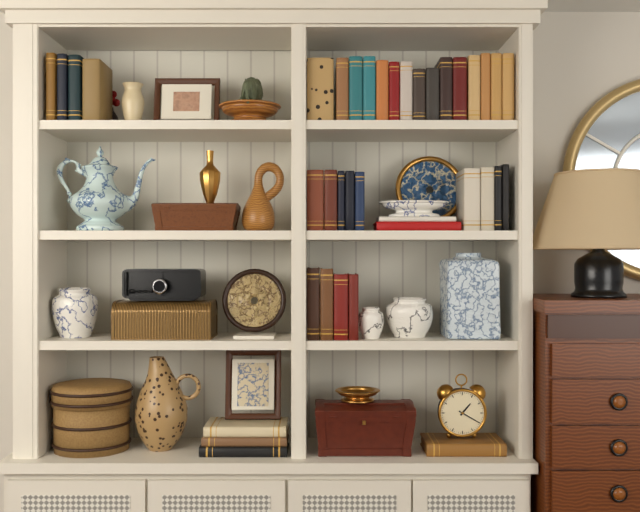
1:20
